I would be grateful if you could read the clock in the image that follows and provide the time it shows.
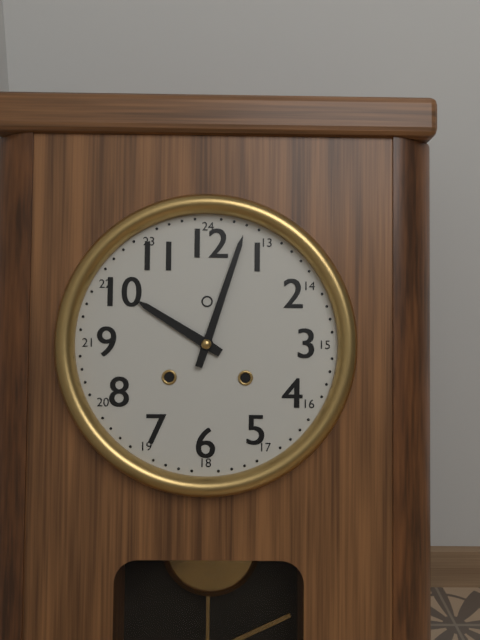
10:03
